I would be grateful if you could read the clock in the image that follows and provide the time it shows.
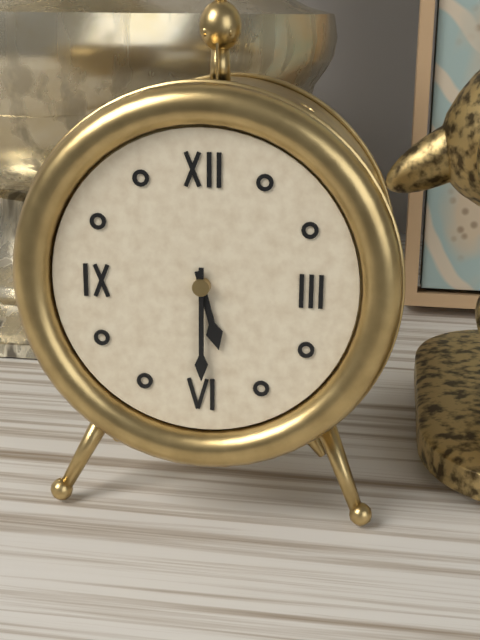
5:30
